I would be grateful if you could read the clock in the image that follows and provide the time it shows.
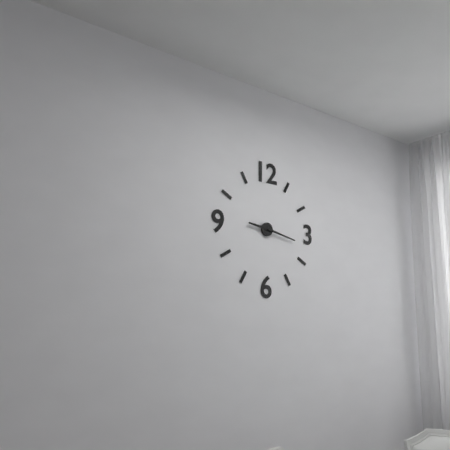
9:17
